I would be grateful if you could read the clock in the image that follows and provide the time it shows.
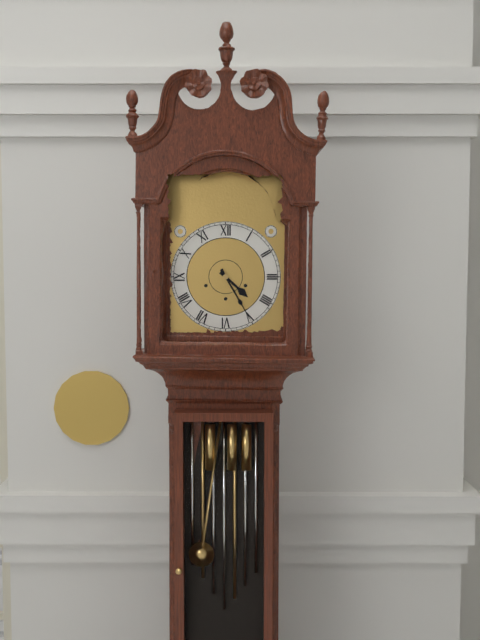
4:25
